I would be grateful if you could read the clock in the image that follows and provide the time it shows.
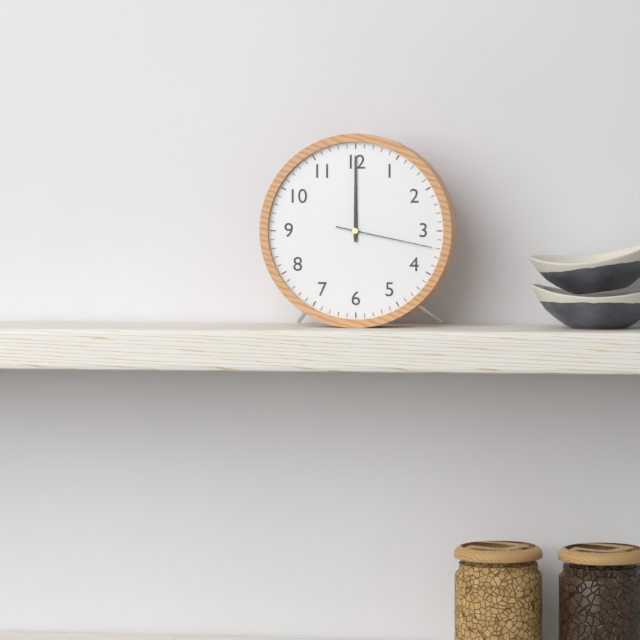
12:00:17
